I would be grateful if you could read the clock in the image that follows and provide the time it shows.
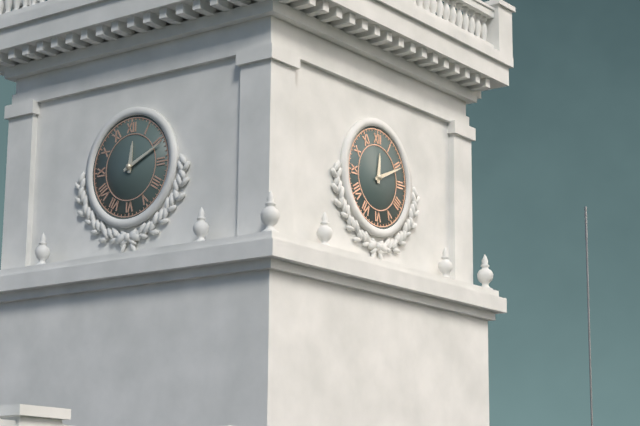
12:11
